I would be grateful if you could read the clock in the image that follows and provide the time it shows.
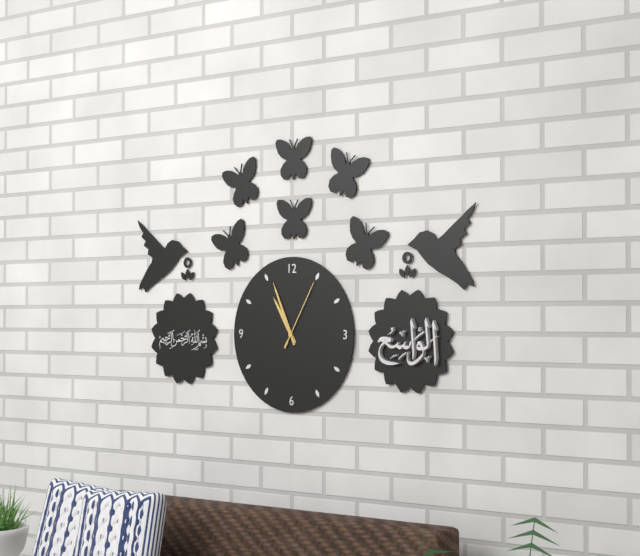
10:56:05
